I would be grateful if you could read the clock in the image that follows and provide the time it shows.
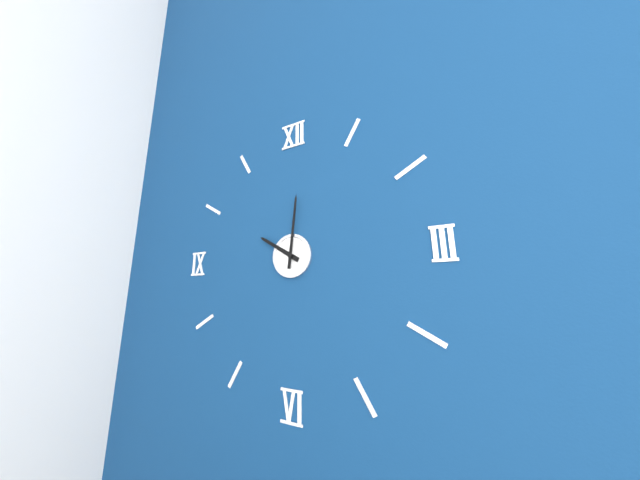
10:01
